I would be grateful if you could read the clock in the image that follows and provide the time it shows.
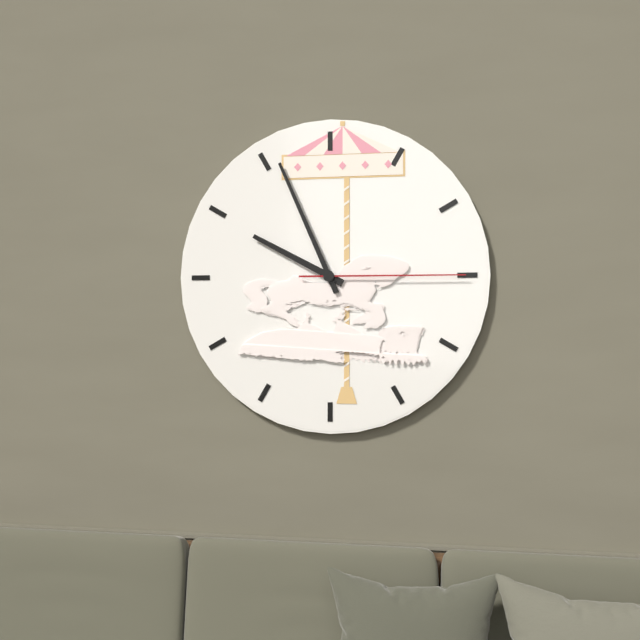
9:56:15
